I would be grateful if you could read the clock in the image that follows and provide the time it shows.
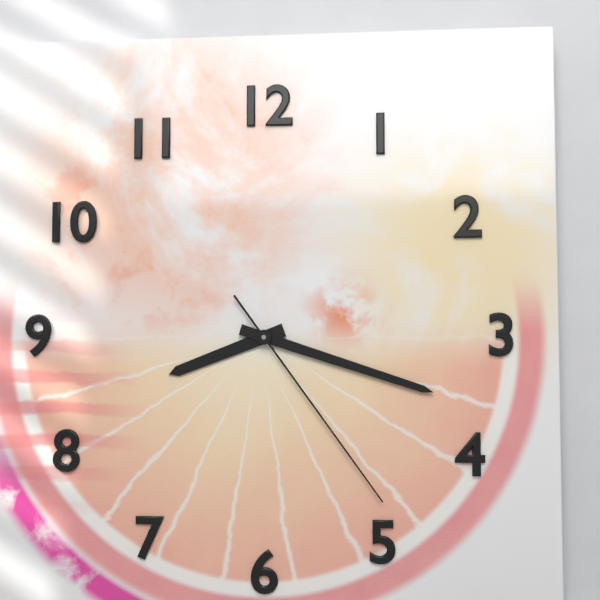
8:18:24
